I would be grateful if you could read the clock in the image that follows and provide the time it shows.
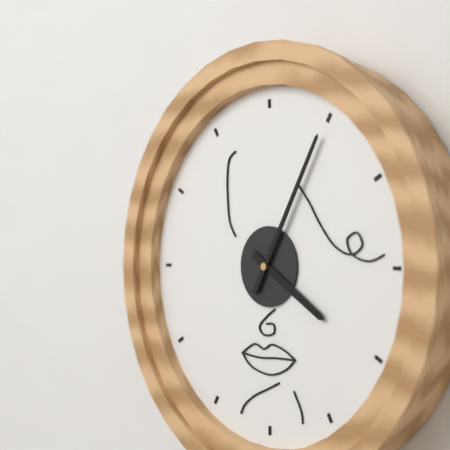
4:05
